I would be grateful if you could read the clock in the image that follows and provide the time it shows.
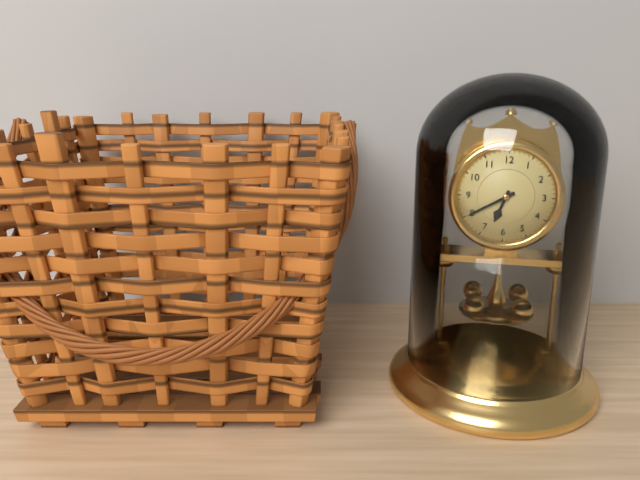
6:40
